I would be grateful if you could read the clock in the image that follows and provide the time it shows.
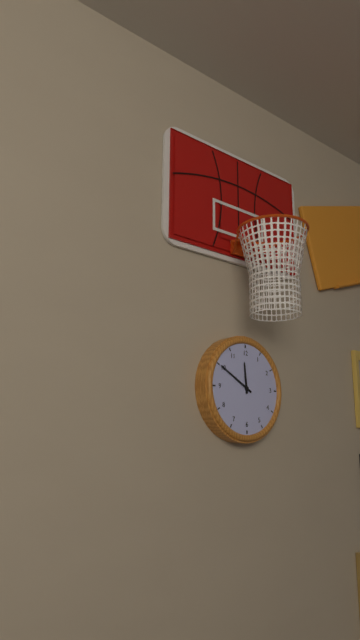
11:50
